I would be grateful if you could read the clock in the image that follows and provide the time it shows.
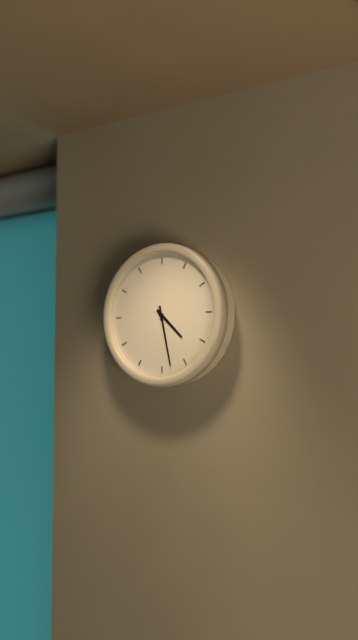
4:28
